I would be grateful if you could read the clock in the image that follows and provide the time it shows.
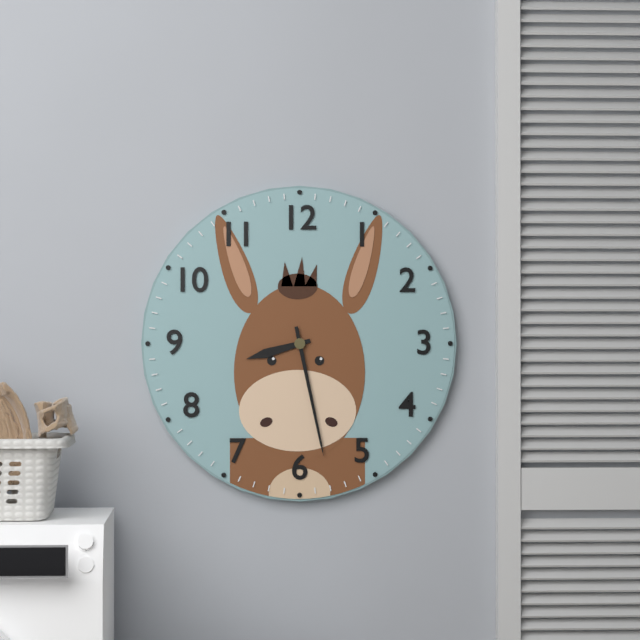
8:28
